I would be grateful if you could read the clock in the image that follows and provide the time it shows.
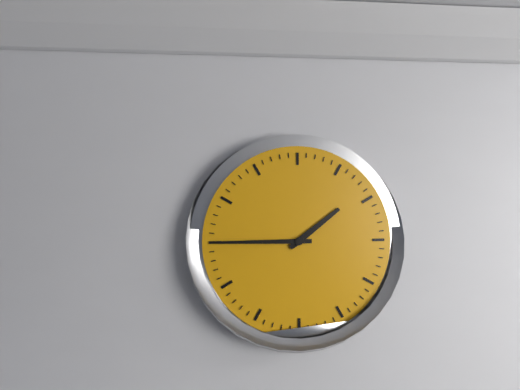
1:45
